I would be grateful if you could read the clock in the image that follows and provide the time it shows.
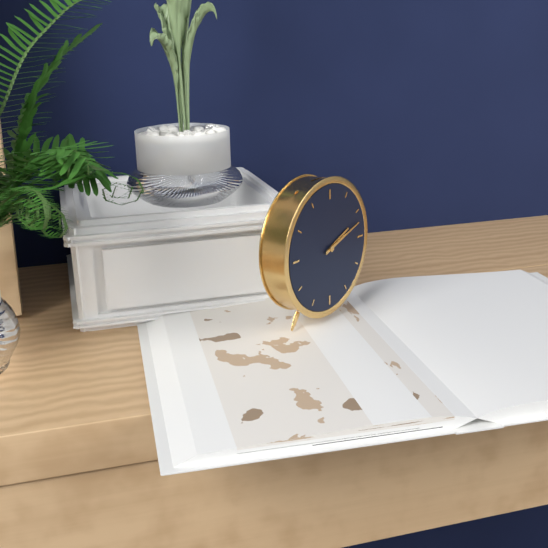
2:12
